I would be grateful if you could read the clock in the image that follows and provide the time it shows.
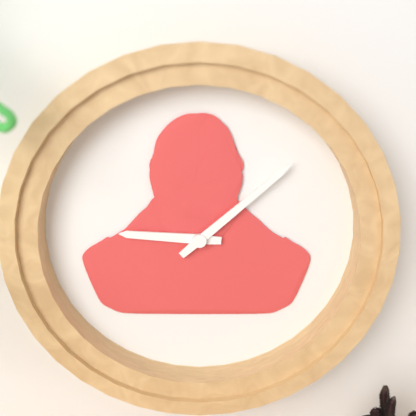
9:08
